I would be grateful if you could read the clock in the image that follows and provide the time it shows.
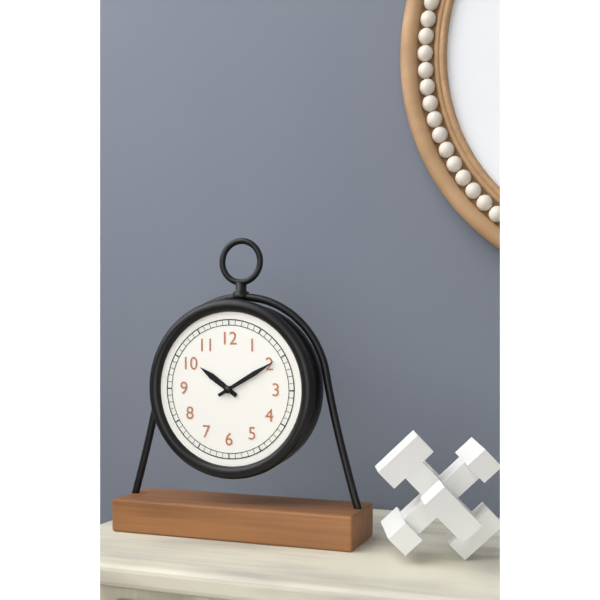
10:10
